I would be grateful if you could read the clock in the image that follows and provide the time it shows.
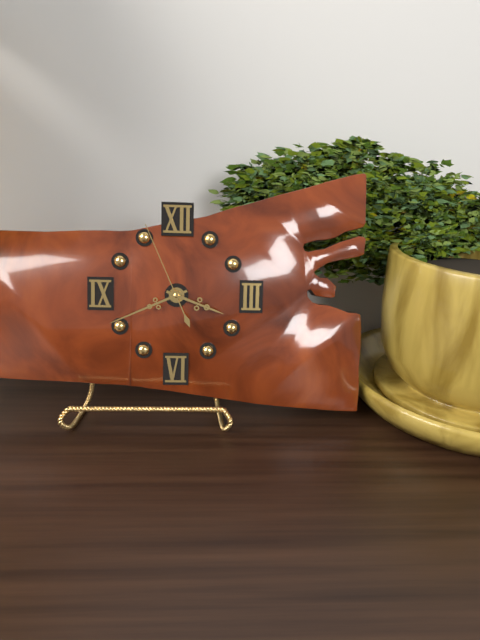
3:41:56
